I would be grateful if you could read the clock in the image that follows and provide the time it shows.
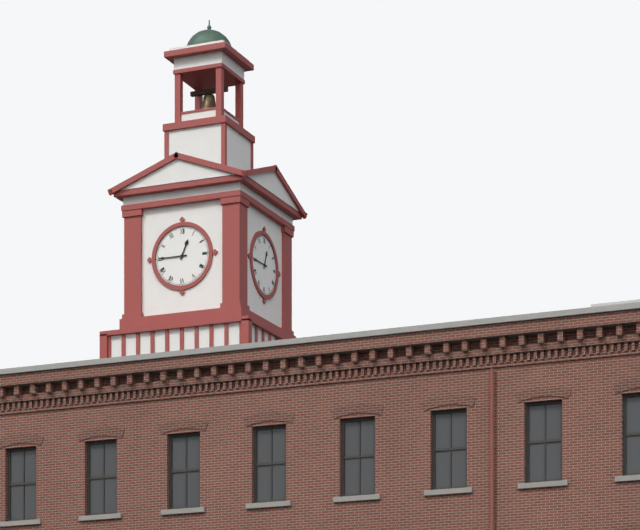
12:45
